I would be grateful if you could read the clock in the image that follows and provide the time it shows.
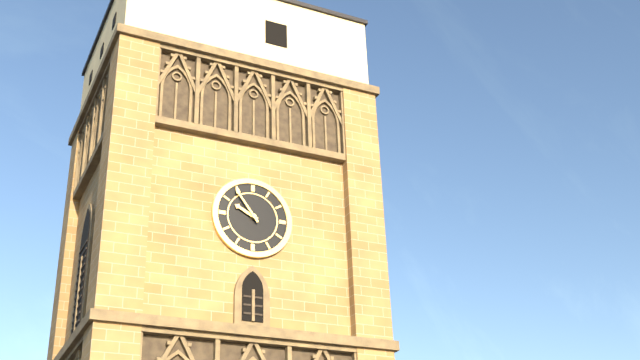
9:54
